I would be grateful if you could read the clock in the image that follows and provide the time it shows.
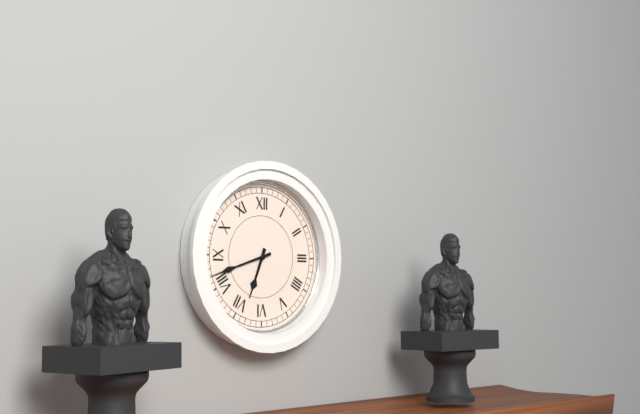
6:42
